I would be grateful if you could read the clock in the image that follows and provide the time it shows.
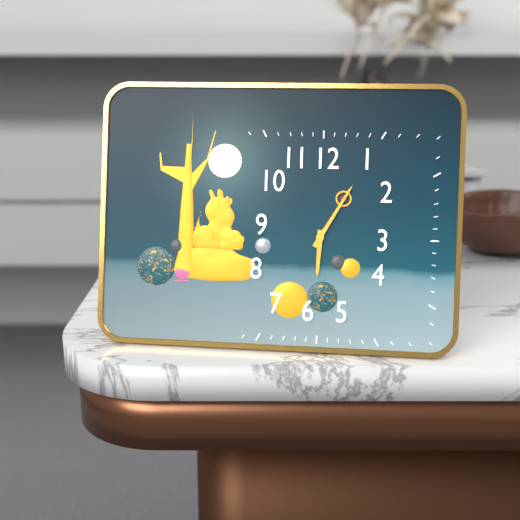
6:05
